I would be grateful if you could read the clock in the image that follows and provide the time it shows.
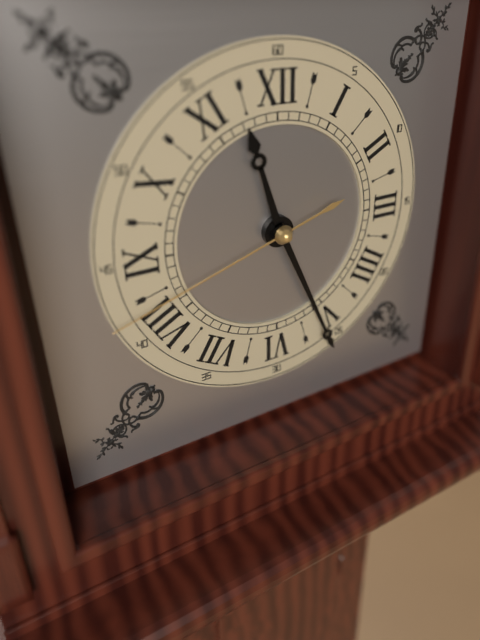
11:26:42
